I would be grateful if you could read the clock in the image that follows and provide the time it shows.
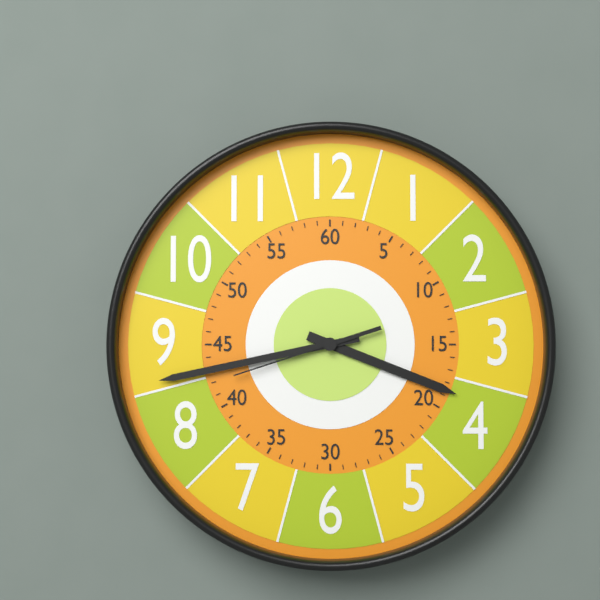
3:43:42
